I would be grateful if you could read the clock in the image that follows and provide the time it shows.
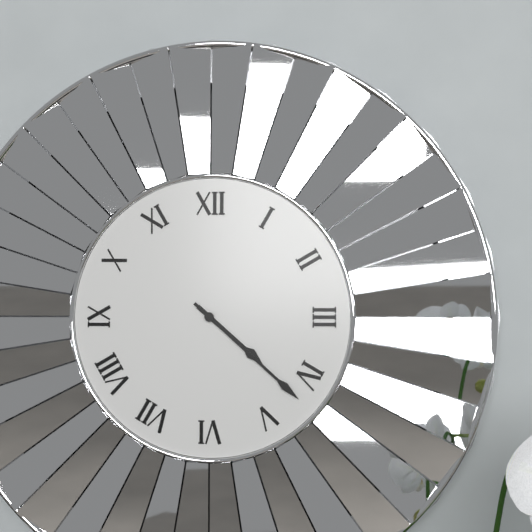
4:22
